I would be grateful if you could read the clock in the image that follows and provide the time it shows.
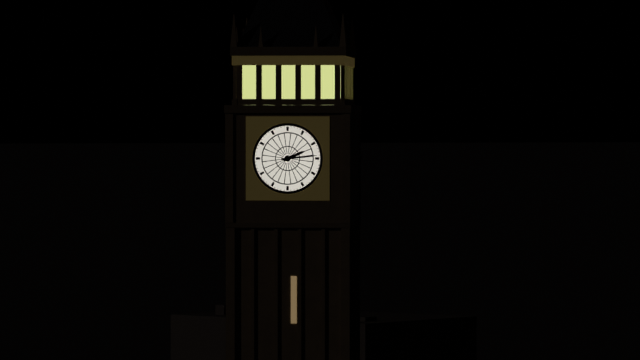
2:14
